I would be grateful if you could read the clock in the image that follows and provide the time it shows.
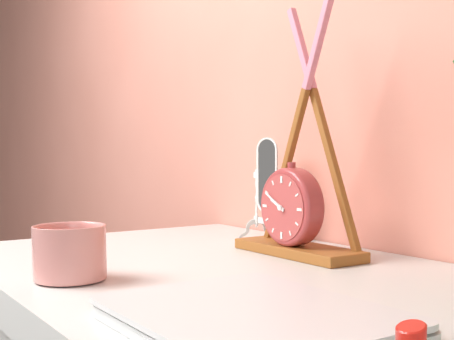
9:50
